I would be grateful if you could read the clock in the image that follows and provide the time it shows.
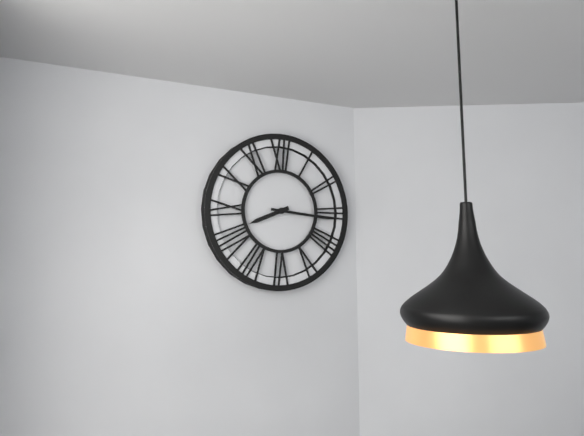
8:16
